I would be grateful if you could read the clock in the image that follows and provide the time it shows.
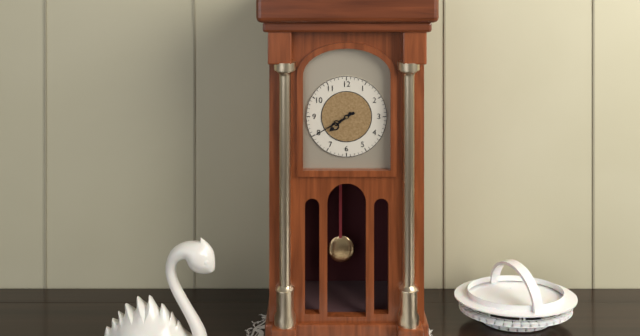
7:40
